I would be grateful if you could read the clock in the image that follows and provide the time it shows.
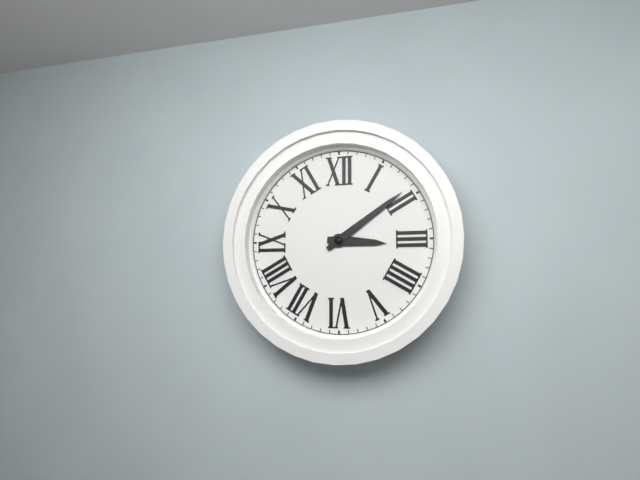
3:09
